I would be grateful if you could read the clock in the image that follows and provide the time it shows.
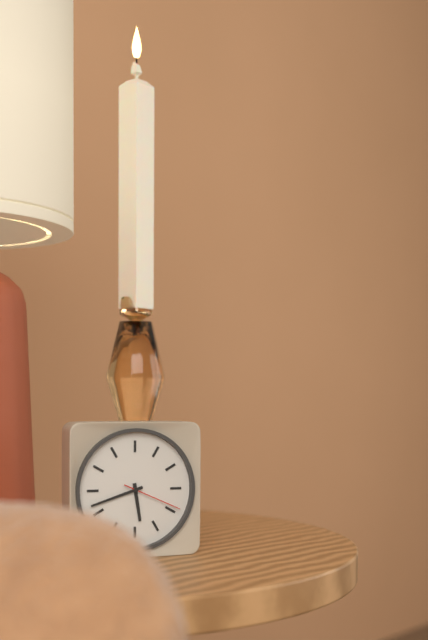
5:42:19
